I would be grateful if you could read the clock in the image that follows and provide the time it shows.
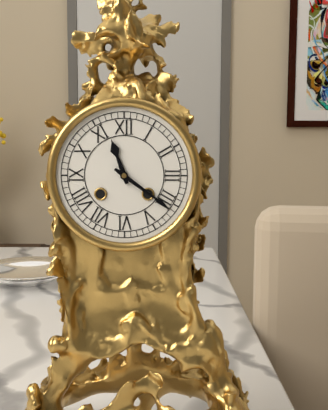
11:21
